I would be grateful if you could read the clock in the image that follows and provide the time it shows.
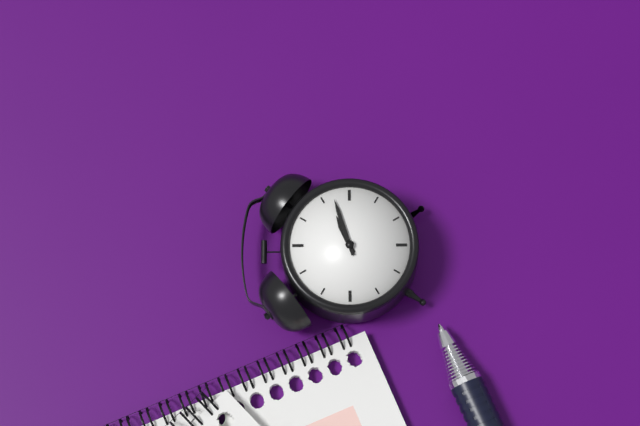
2:12
